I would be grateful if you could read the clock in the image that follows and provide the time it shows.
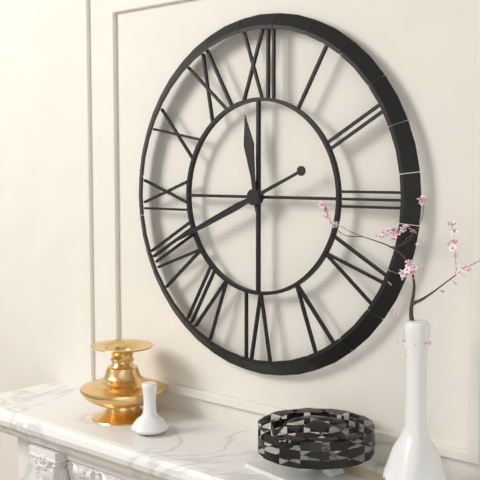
11:41
